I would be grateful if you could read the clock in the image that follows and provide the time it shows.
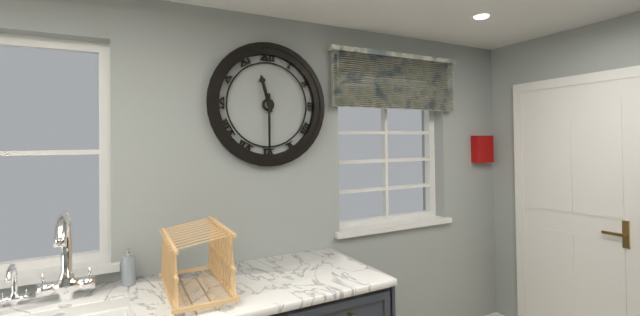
11:30
